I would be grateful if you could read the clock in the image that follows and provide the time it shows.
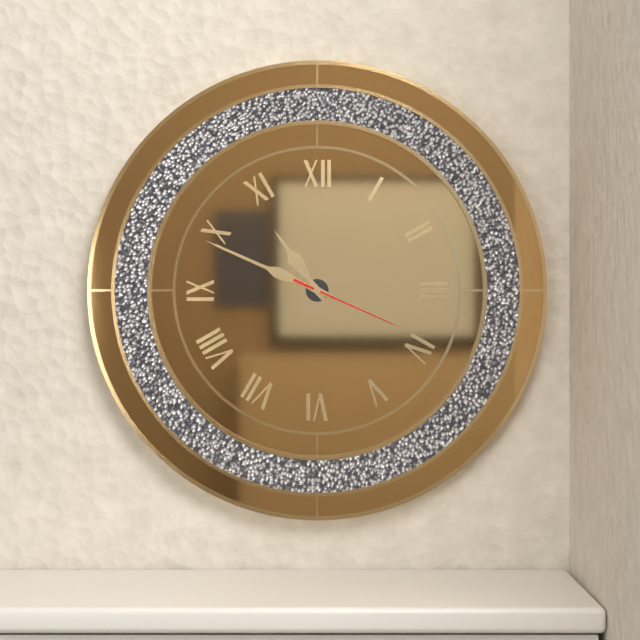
10:49:19
